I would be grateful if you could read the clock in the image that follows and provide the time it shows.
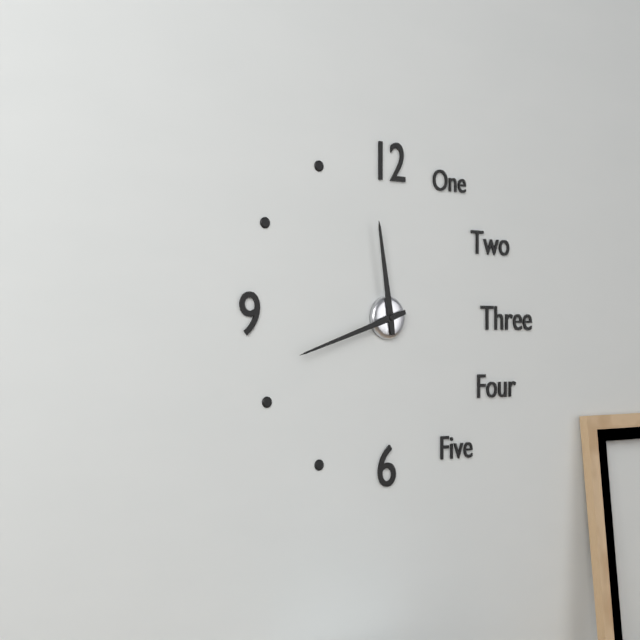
11:42
